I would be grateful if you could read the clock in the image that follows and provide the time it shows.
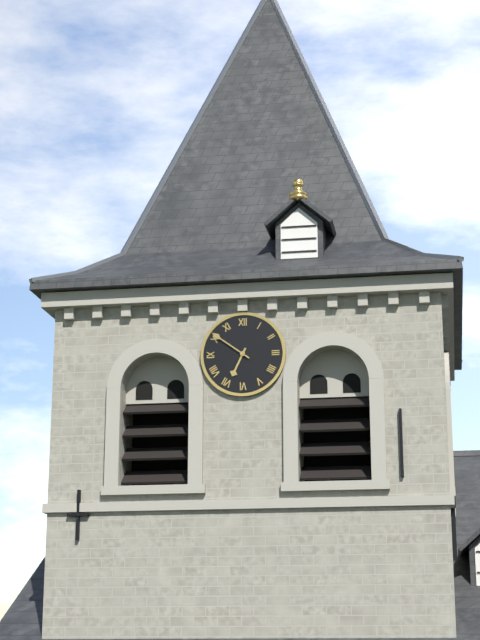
6:51
